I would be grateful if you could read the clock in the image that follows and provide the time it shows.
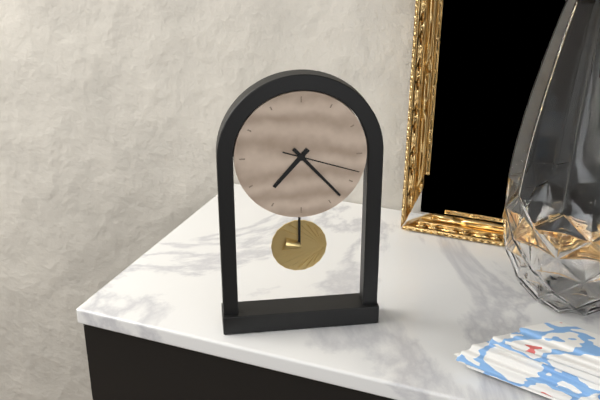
7:23:18
